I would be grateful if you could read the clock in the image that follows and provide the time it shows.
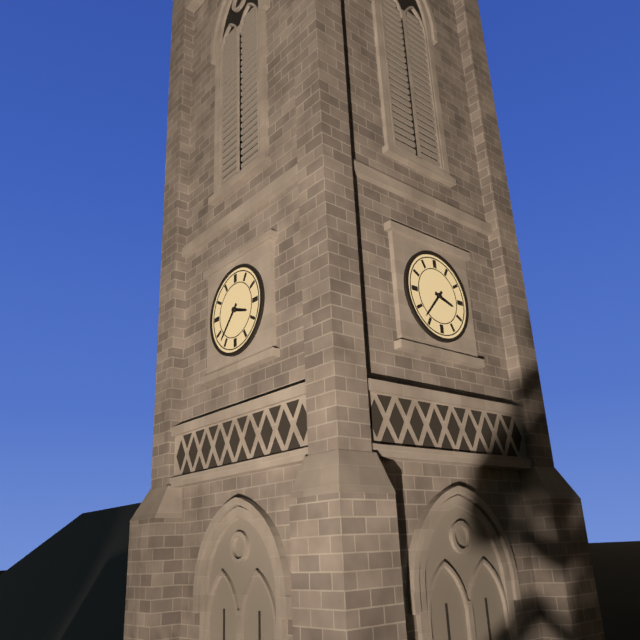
3:37
